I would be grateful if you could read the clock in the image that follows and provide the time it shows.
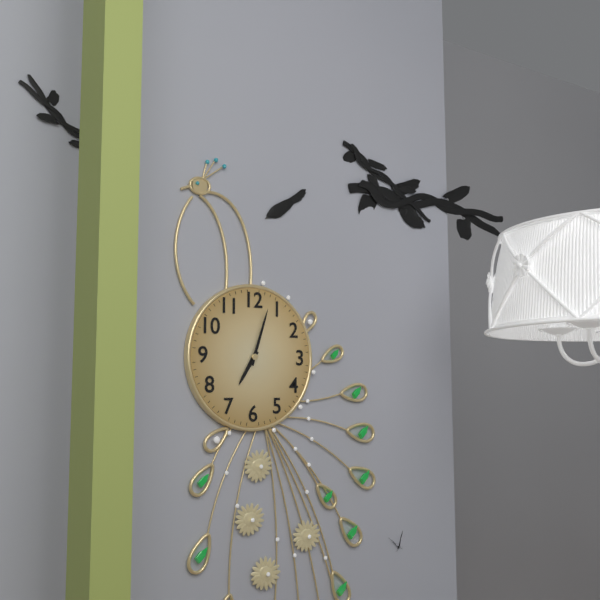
7:03
